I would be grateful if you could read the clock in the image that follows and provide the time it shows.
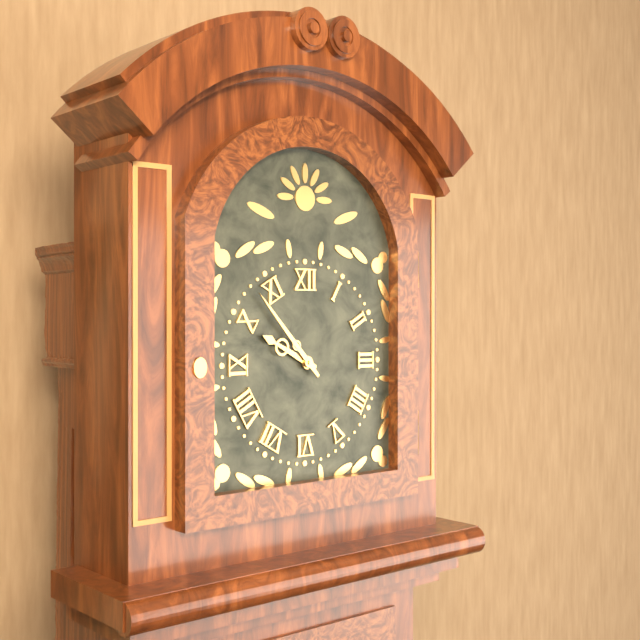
9:53
